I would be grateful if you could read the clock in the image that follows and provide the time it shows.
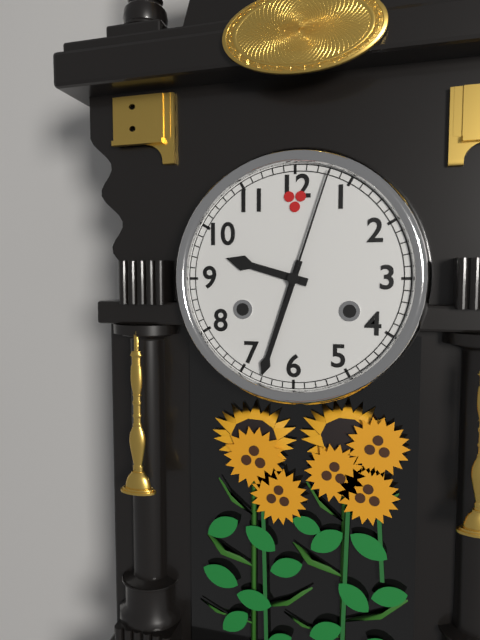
9:33:03
